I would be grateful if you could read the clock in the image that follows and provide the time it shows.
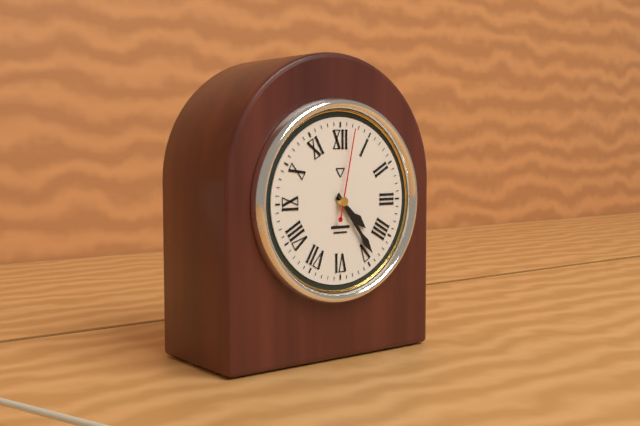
4:24:02
